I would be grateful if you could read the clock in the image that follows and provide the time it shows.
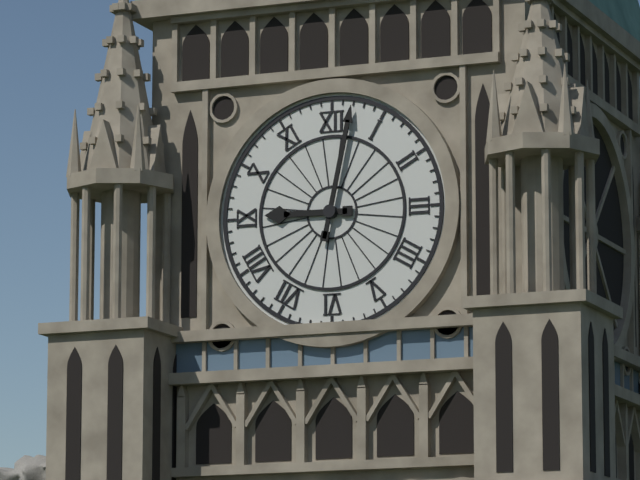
9:02
